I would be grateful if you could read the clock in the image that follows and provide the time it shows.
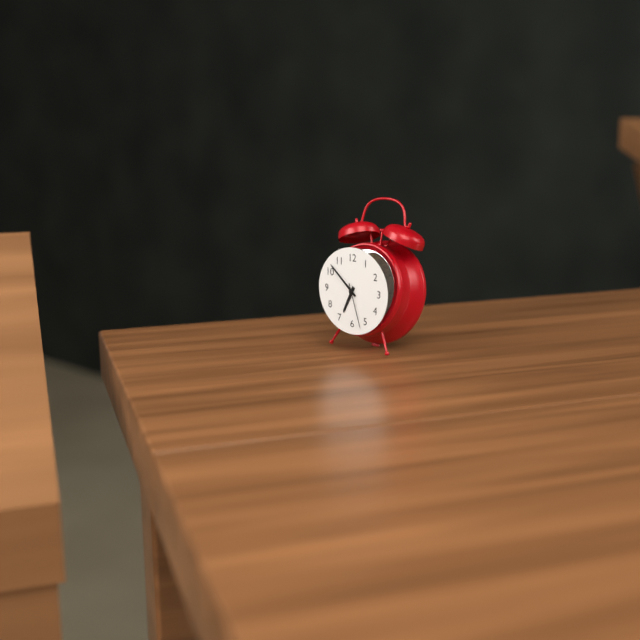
6:52
